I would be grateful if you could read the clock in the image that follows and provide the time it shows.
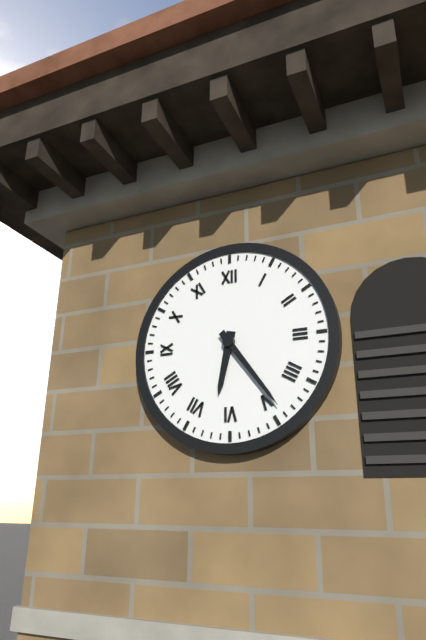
6:24
